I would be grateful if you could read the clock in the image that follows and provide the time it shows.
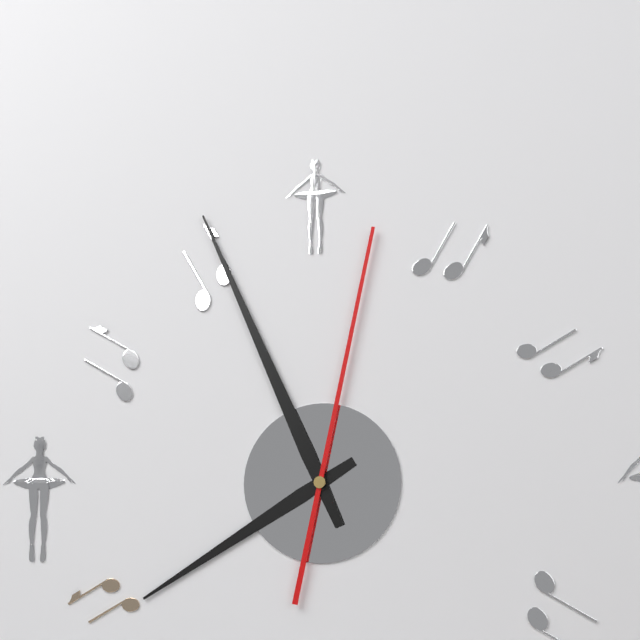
7:56:02
